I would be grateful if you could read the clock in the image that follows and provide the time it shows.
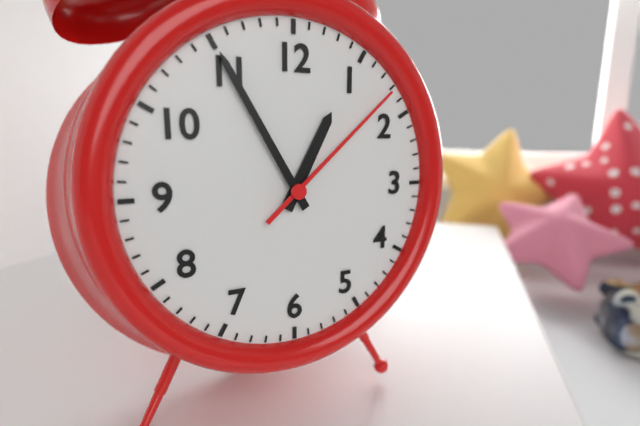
12:55:08
